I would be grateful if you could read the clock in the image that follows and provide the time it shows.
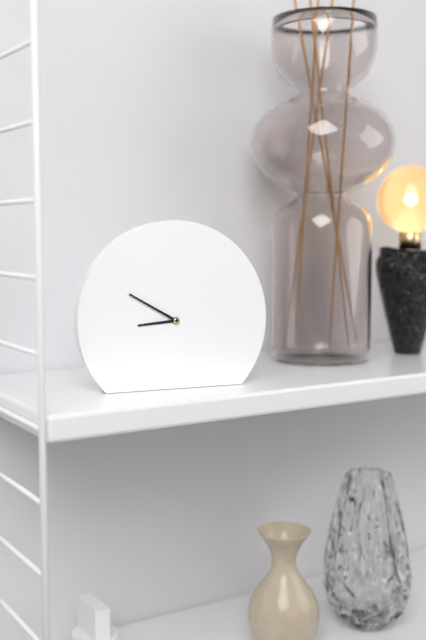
8:50
